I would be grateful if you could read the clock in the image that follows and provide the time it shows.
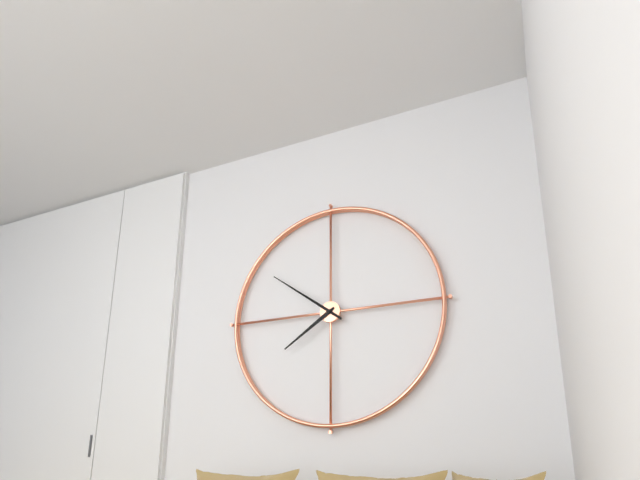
7:51
